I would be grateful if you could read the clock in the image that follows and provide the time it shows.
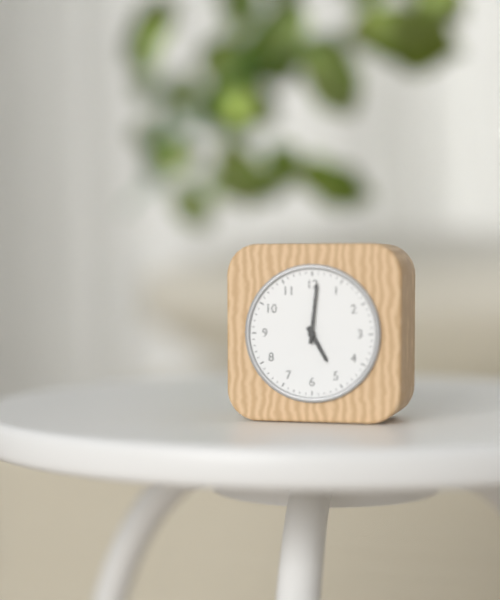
5:01
